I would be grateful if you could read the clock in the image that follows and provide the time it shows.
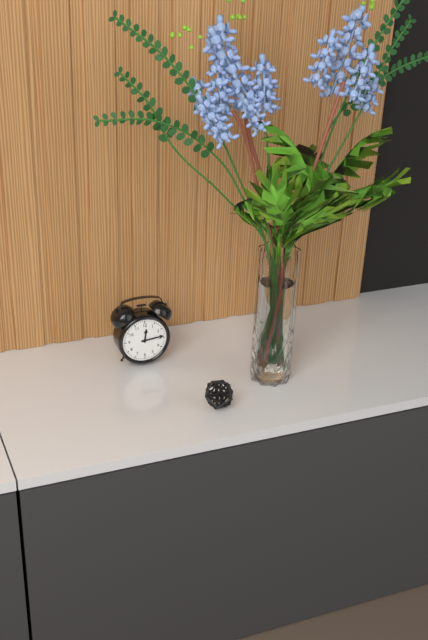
12:14
